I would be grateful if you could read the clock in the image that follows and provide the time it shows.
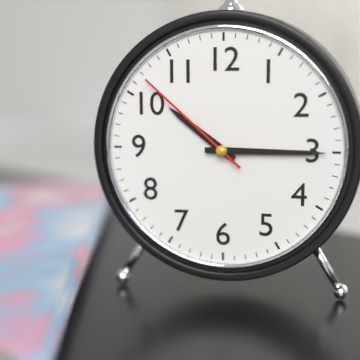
10:15:52
